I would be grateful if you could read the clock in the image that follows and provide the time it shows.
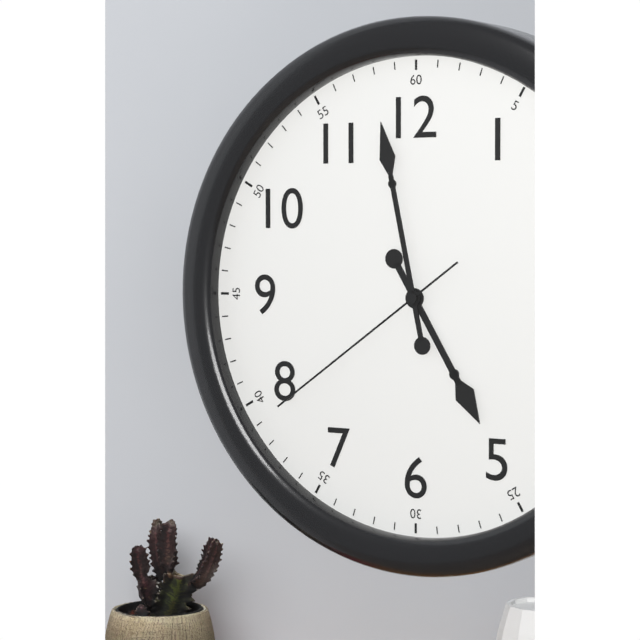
4:58:39
